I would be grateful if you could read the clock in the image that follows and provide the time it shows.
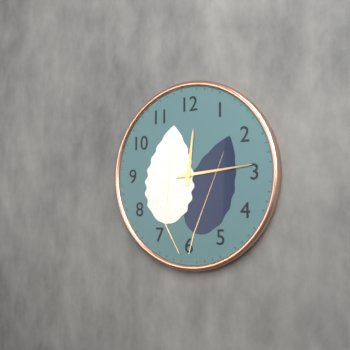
12:14
